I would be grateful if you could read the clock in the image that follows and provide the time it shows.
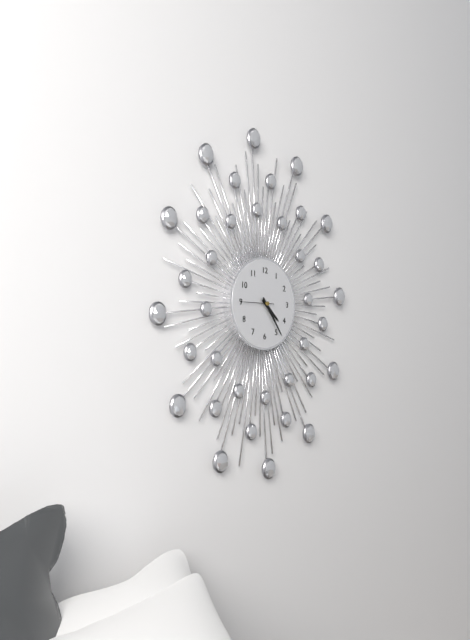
4:24
